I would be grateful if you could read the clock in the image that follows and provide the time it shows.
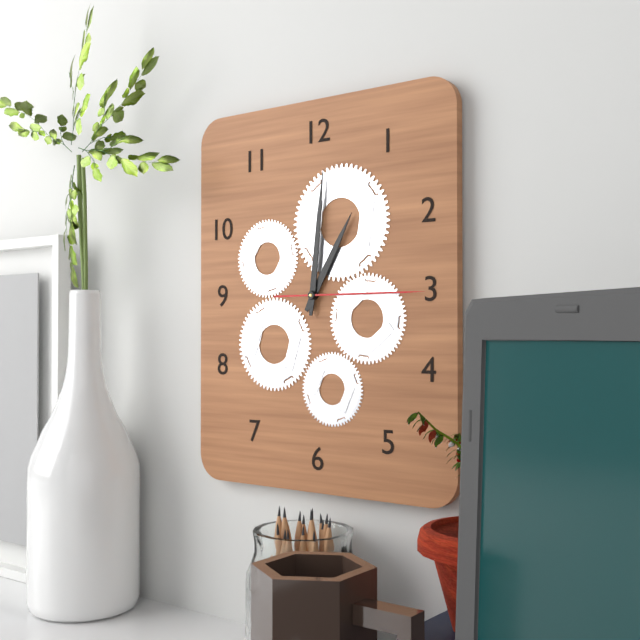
1:01:15
